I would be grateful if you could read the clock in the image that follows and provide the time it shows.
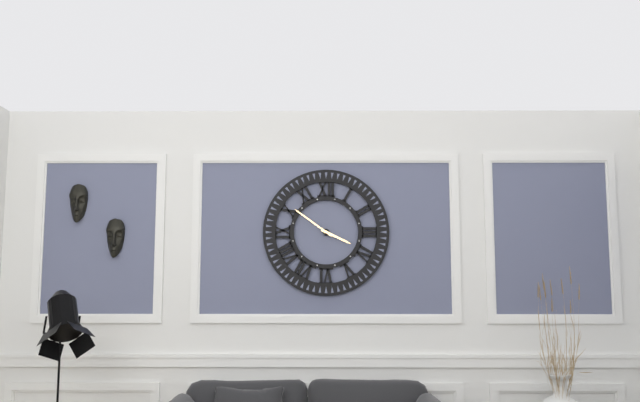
3:51
